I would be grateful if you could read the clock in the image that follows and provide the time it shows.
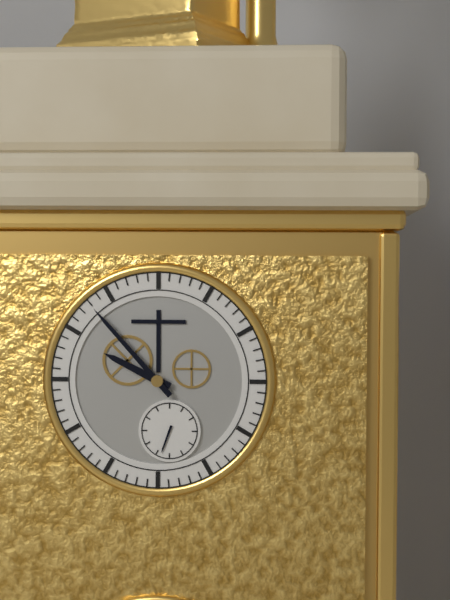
9:53
